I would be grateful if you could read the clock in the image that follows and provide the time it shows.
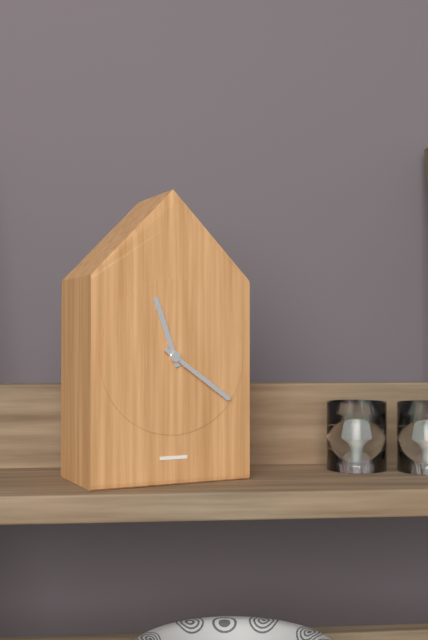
11:21
